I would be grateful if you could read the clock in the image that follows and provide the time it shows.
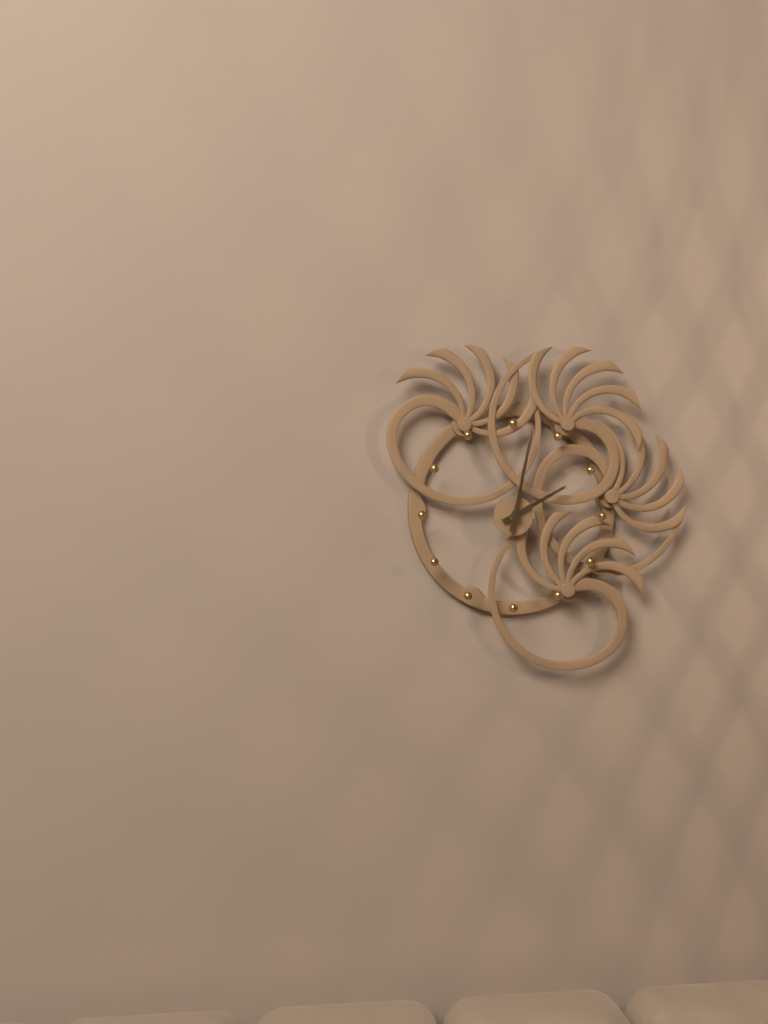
2:02
